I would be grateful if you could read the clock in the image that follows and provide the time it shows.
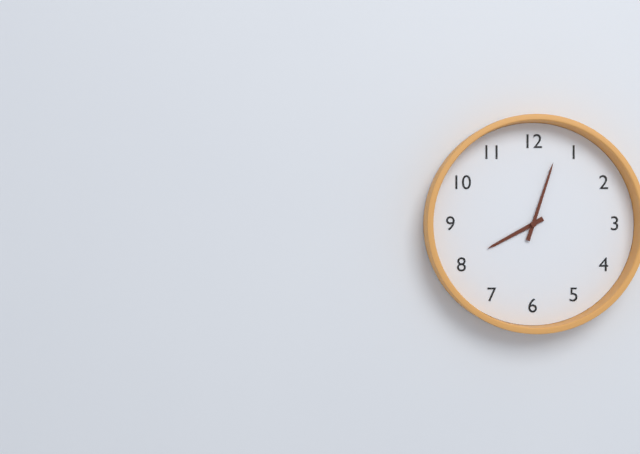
8:03
